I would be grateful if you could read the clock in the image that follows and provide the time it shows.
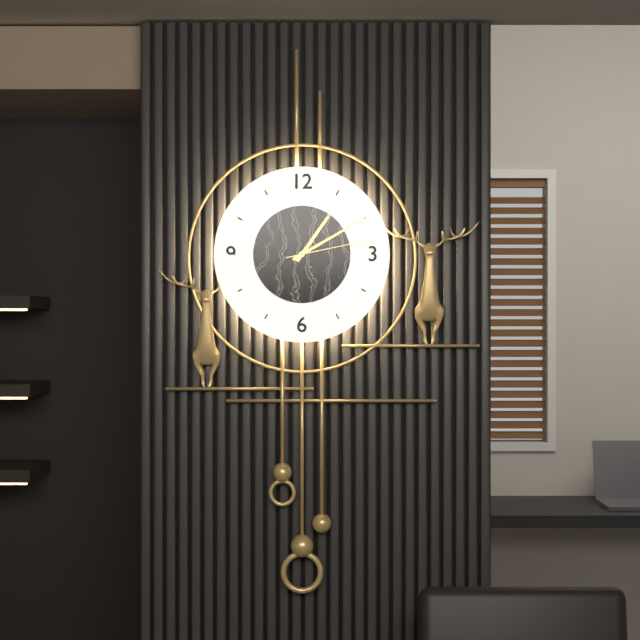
1:10:13
